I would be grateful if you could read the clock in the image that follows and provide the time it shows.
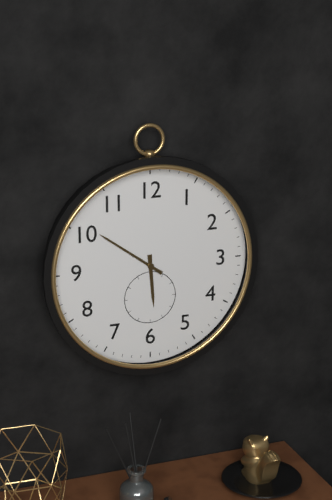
5:51
